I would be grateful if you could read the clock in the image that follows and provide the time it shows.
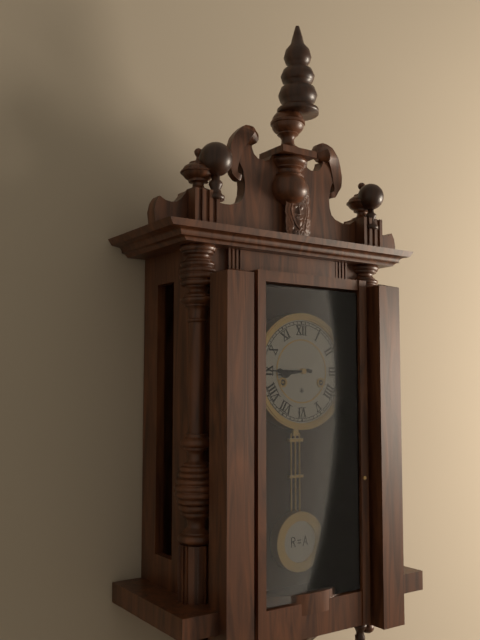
8:45
